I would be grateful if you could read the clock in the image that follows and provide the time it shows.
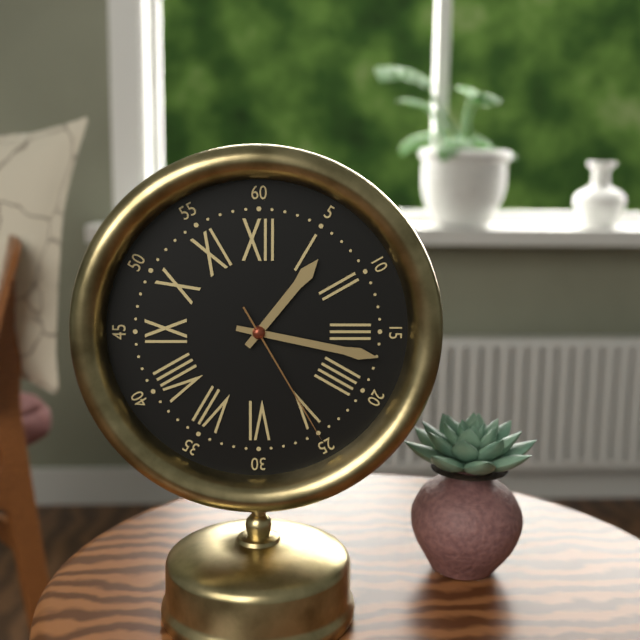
1:17:25
